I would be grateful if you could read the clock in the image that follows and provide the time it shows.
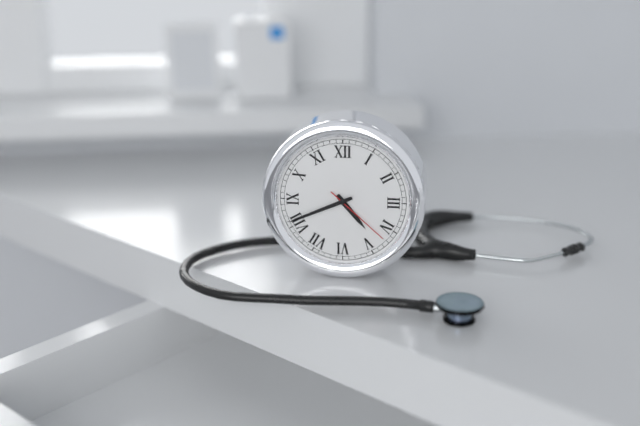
4:41:22
